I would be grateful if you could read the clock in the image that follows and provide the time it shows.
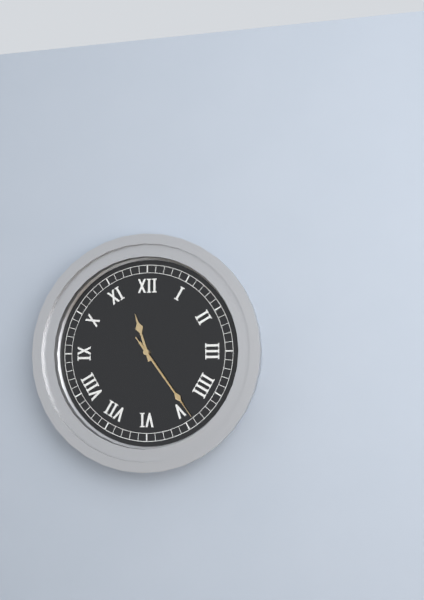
11:24:24
